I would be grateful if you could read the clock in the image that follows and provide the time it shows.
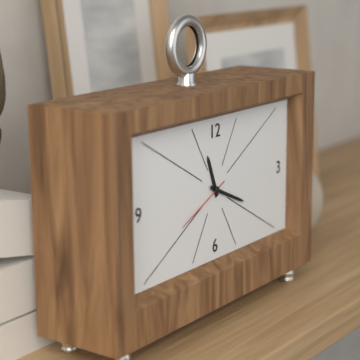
11:19:41
